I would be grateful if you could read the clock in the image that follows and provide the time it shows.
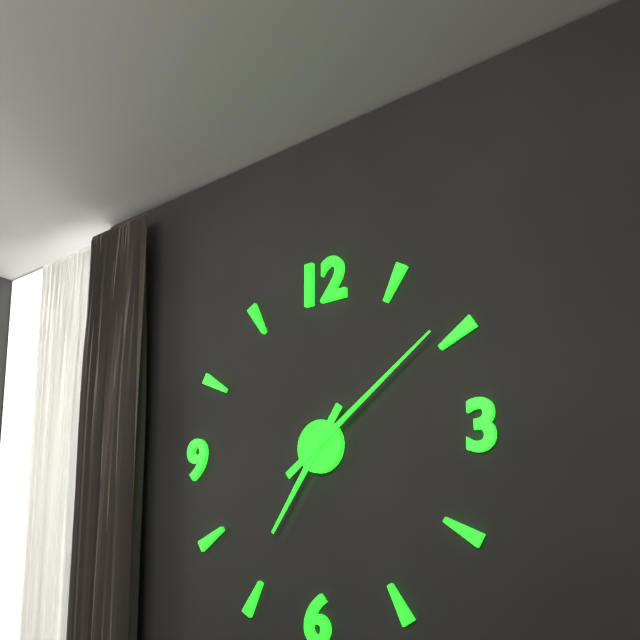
7:09
